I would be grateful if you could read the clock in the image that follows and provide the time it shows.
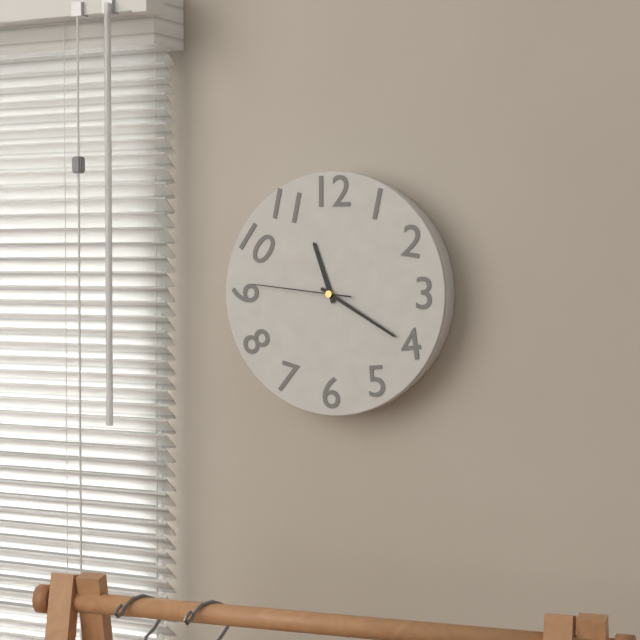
11:20:46
